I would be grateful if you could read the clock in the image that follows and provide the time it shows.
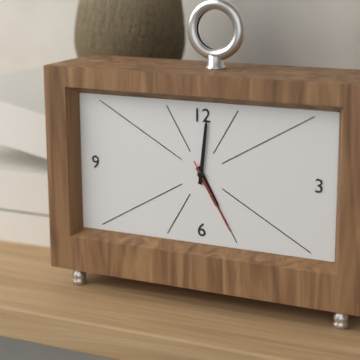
5:01:25
